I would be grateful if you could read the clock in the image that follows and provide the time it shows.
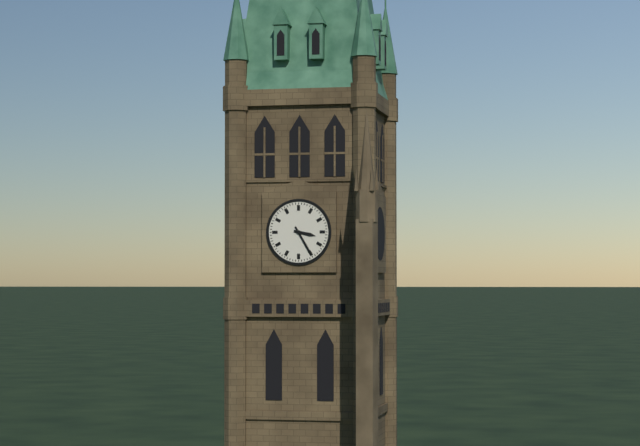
3:25
